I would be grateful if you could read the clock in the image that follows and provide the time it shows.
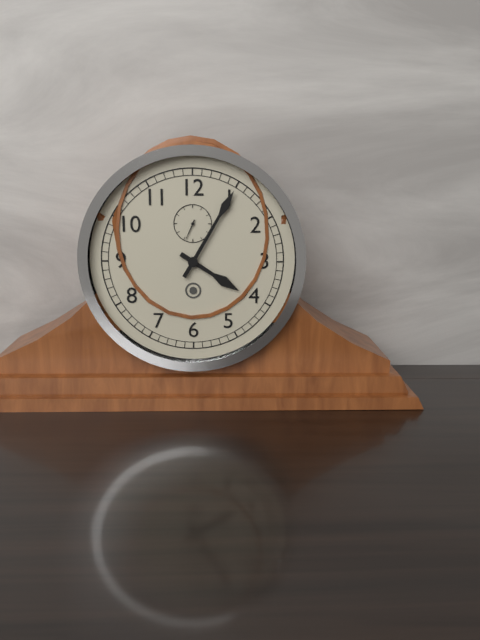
4:05
